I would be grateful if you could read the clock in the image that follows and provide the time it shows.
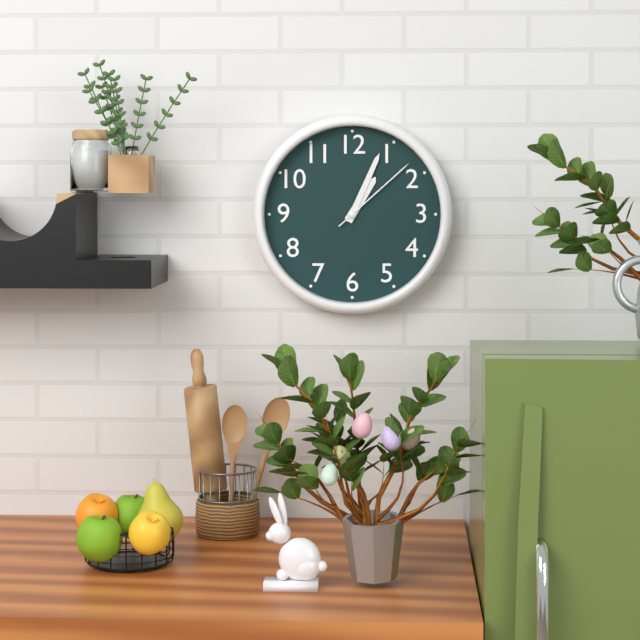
1:04:08
